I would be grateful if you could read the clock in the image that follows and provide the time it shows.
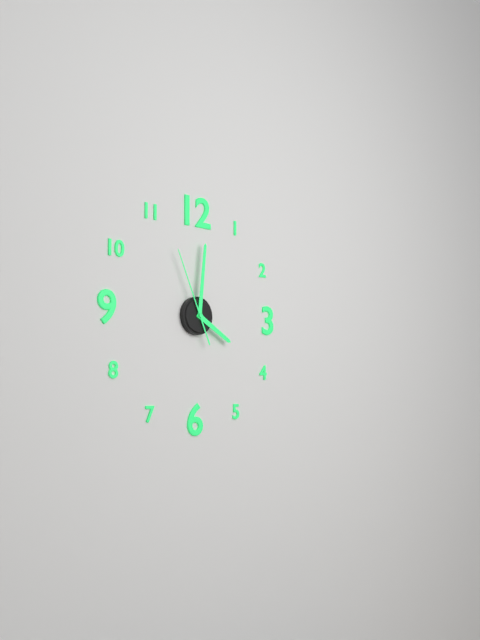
4:01:56
